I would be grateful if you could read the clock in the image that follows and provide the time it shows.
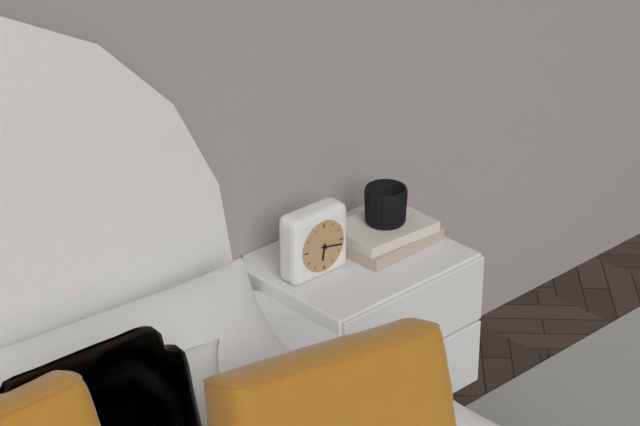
6:17
